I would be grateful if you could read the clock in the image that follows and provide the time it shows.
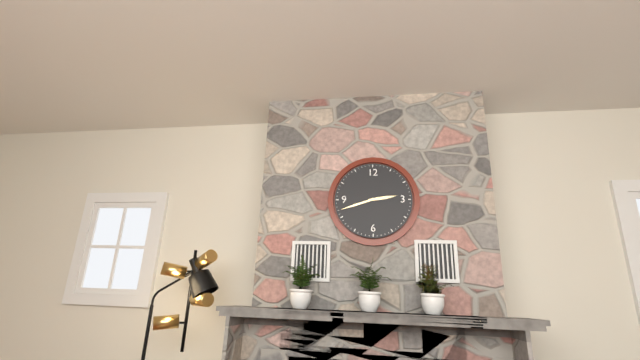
2:42
